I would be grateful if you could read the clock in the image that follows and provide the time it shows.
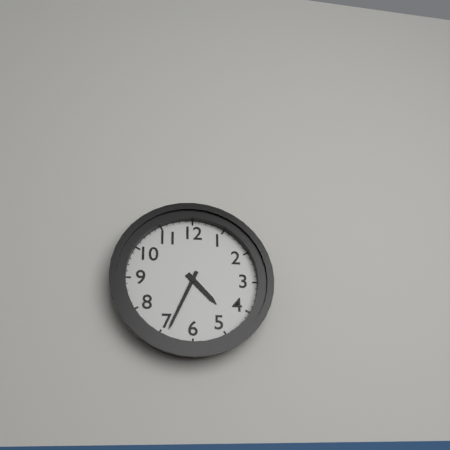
4:34
